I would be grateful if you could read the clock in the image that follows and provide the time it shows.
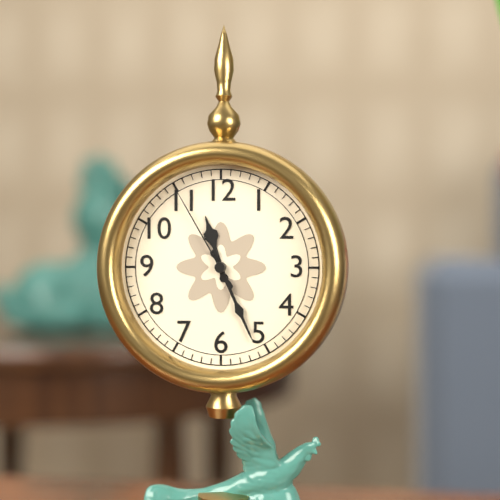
11:26:55
